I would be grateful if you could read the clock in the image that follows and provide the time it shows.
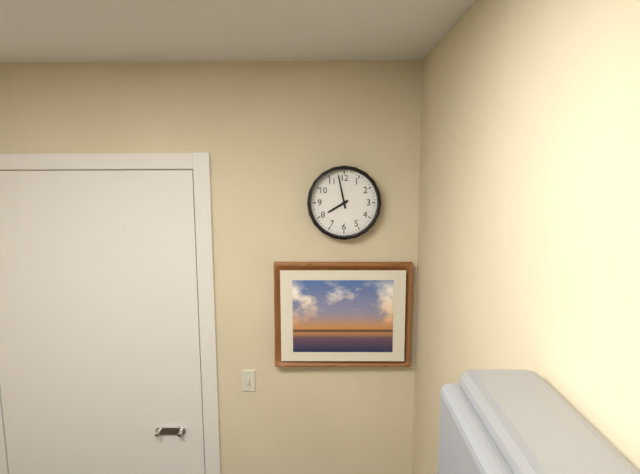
7:58
